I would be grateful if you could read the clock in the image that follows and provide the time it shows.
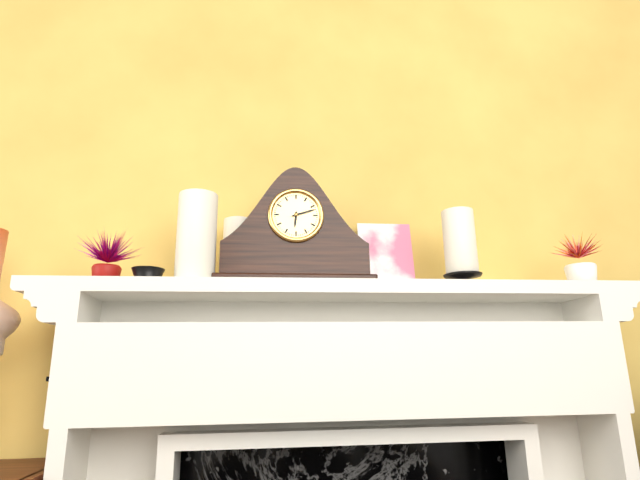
6:12
